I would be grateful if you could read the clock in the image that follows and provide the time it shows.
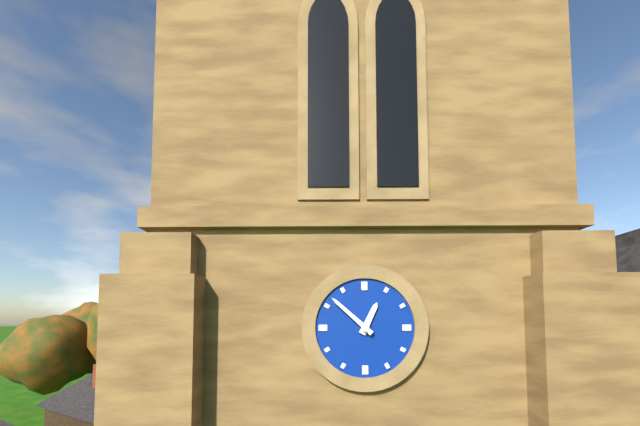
12:52
